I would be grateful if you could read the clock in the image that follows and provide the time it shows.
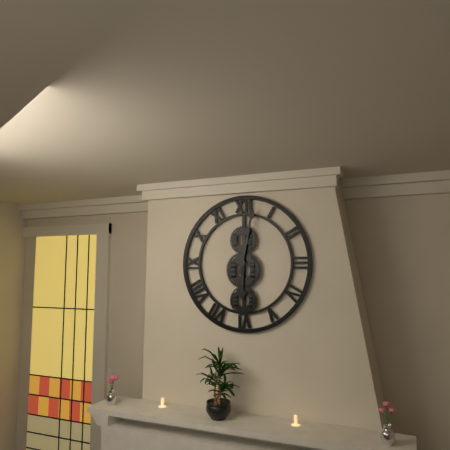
6:02
